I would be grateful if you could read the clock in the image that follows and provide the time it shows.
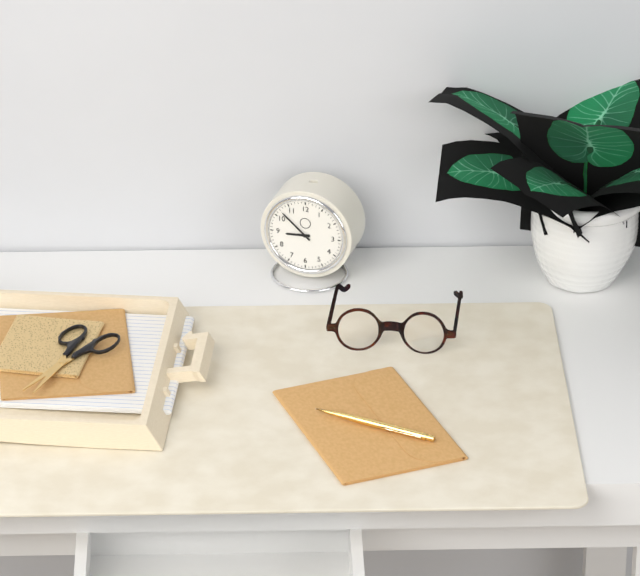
8:52
